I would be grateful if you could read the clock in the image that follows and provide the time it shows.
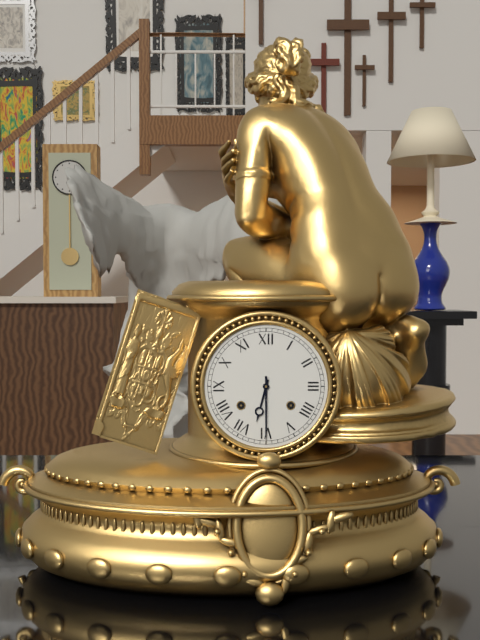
6:30
